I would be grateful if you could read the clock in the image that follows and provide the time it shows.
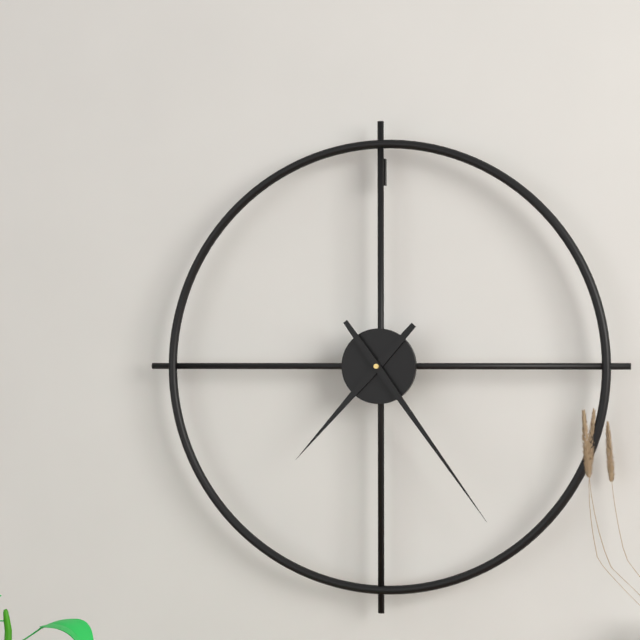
7:24
